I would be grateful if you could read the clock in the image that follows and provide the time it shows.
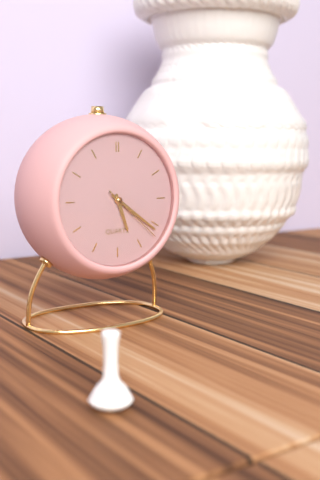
5:21:22
